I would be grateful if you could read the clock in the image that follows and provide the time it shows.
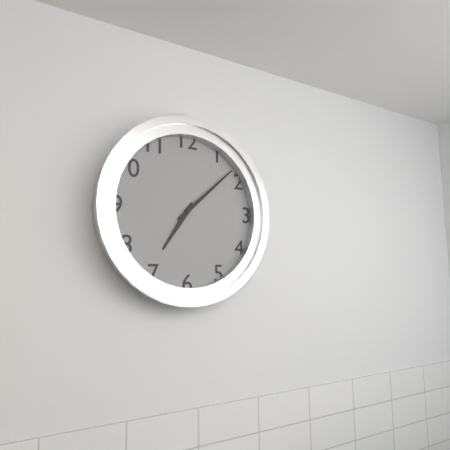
7:08
